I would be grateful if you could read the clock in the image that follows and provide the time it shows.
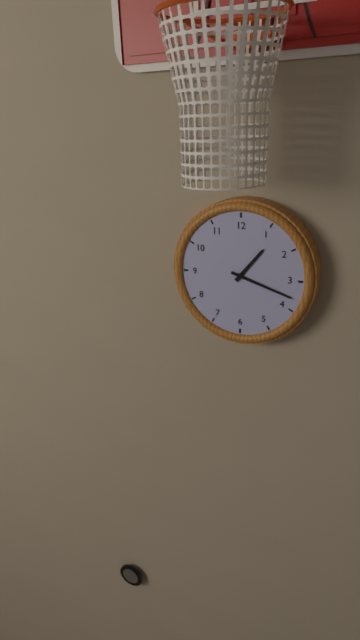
1:18
